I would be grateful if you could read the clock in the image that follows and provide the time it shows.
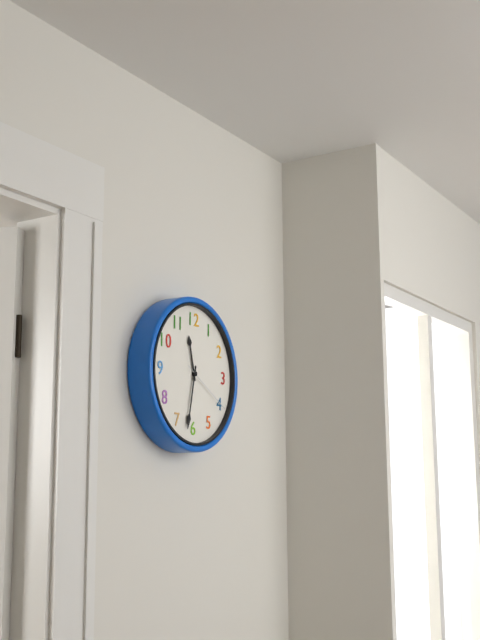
11:32:20
